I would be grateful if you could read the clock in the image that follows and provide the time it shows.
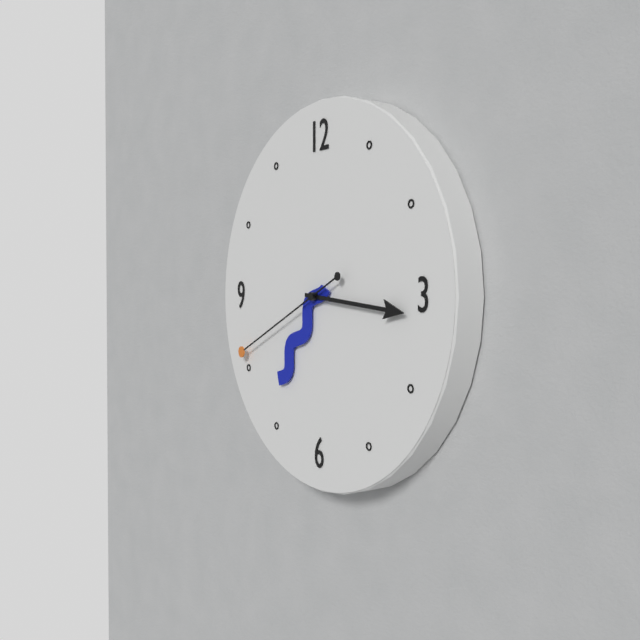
7:16:41
